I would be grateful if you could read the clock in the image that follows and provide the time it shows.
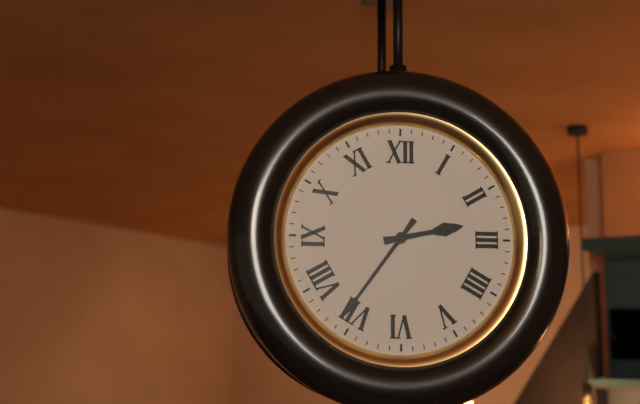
2:36
